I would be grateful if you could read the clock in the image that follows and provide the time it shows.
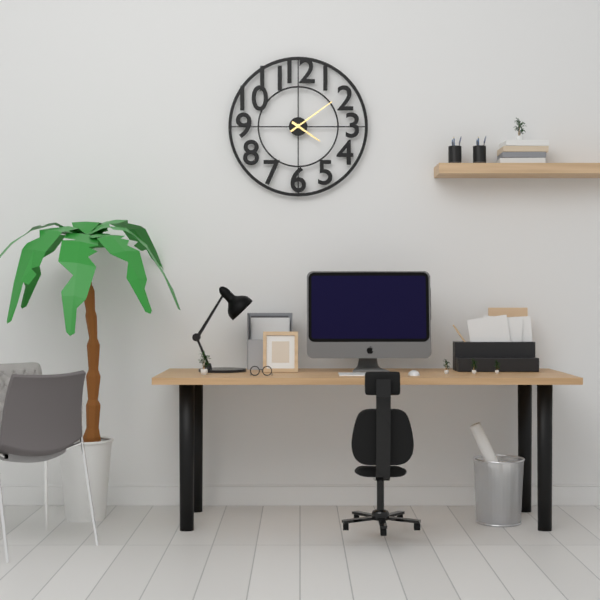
4:09
